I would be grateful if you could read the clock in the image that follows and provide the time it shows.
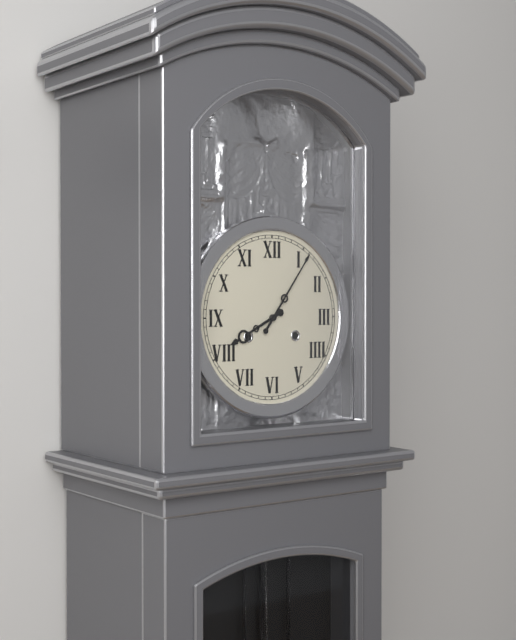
8:06
